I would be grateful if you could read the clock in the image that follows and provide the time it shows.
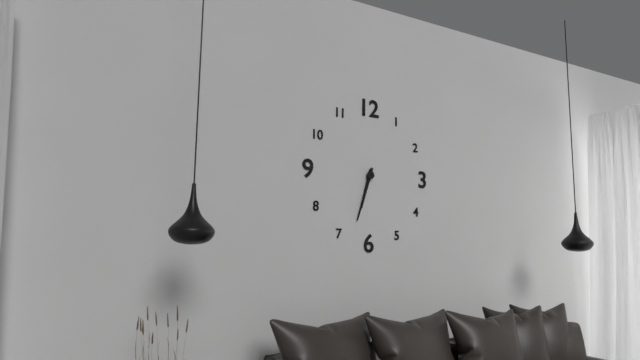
6:33
